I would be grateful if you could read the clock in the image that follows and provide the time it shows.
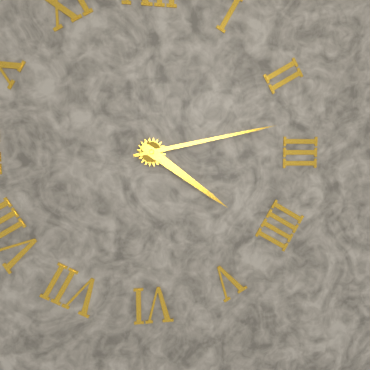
4:13
